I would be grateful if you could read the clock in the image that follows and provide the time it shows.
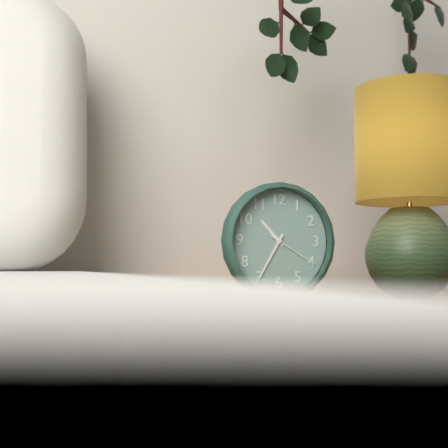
10:35:20
